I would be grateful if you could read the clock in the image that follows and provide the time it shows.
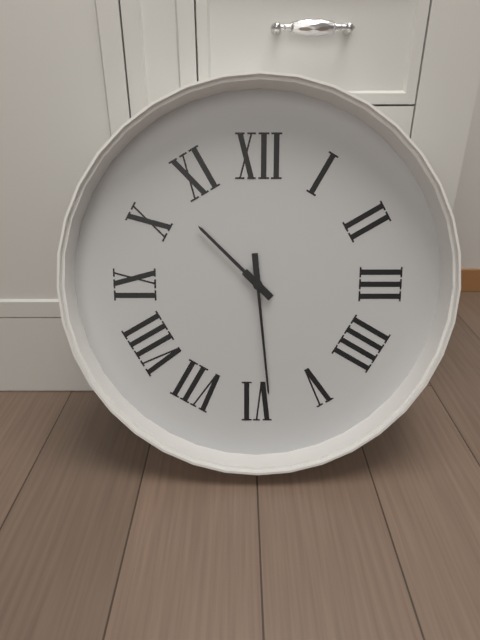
10:29
